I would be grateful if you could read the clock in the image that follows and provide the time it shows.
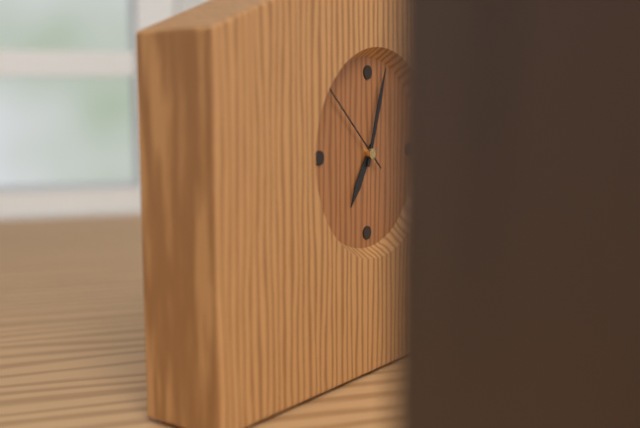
7:03:52
